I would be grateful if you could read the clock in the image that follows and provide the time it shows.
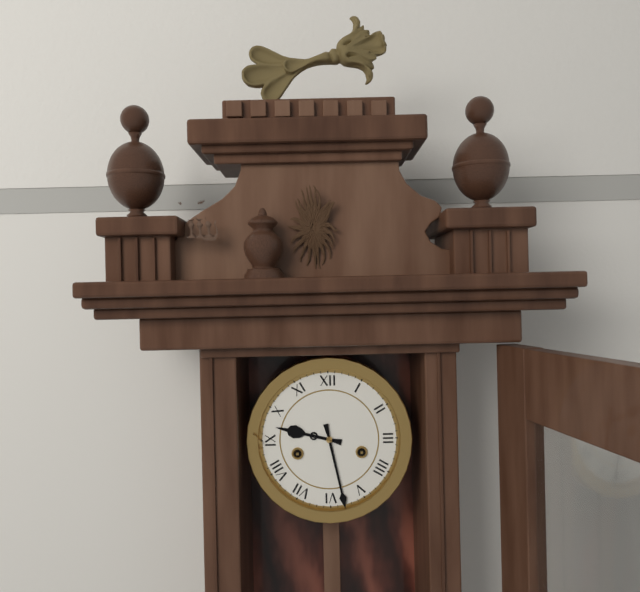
9:28
